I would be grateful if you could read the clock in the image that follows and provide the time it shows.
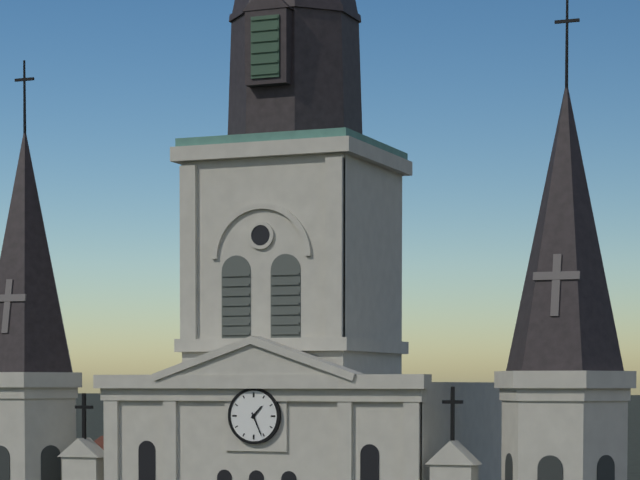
1:26
